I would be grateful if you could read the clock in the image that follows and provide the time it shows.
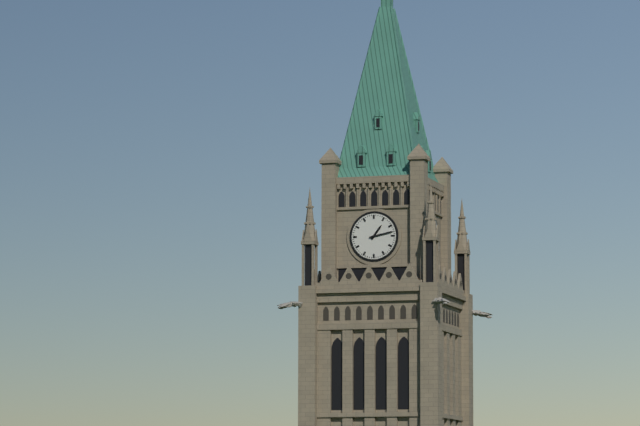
1:13
